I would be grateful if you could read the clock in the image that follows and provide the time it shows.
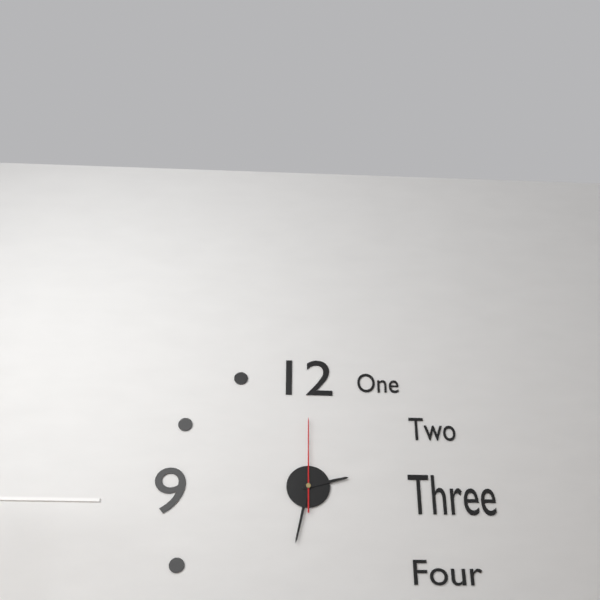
2:32:00
